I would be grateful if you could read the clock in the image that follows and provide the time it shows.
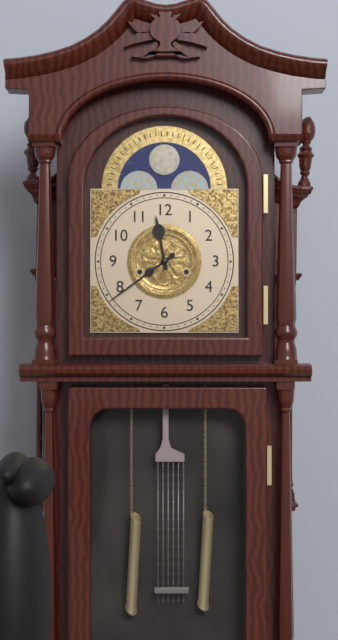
11:39
